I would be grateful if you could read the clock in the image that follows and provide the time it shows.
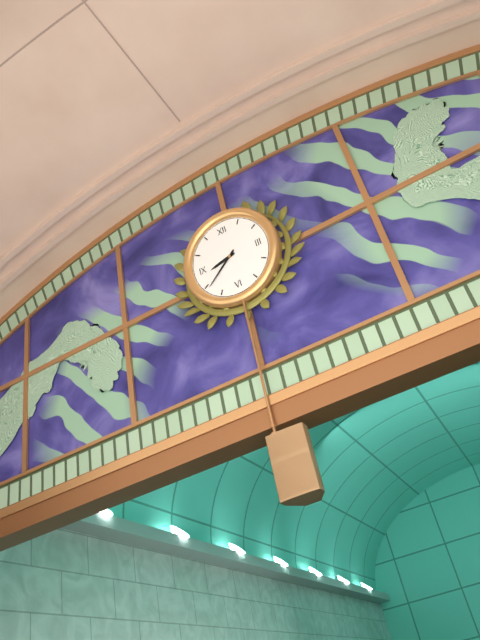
8:39
